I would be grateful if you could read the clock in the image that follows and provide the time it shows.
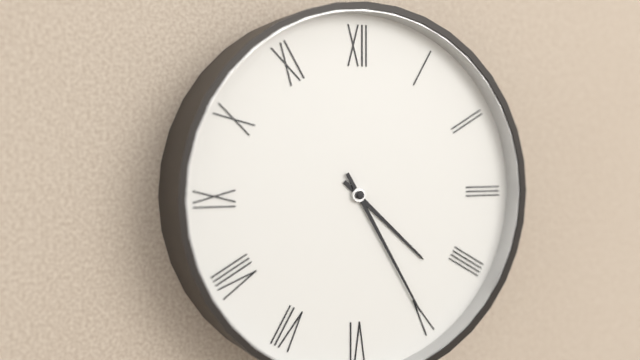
4:25
